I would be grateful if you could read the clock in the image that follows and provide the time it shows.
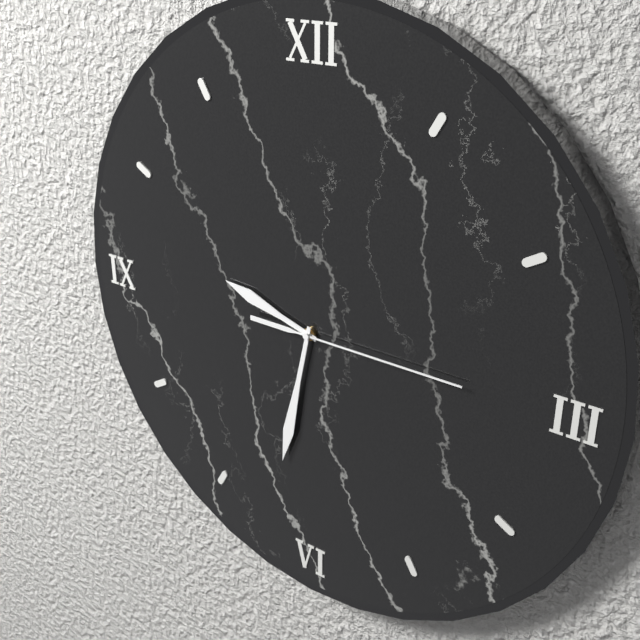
9:32:15
